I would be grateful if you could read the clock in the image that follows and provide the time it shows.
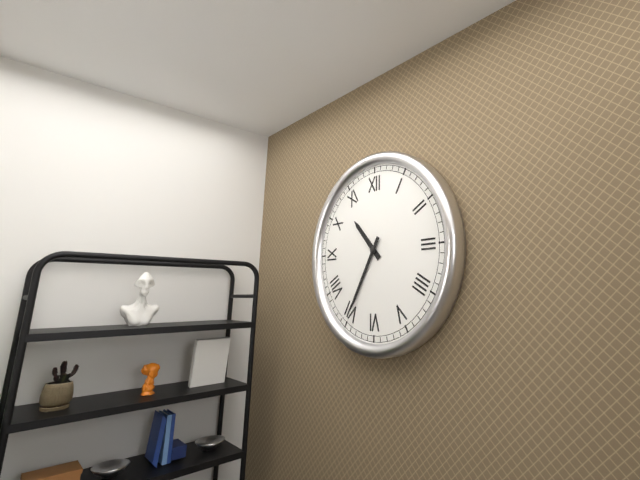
10:35
